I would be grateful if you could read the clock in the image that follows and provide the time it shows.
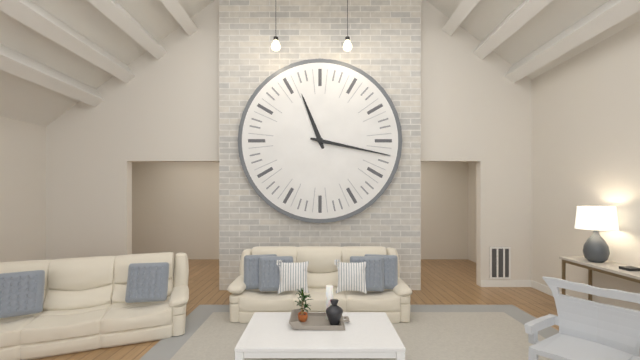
11:17
